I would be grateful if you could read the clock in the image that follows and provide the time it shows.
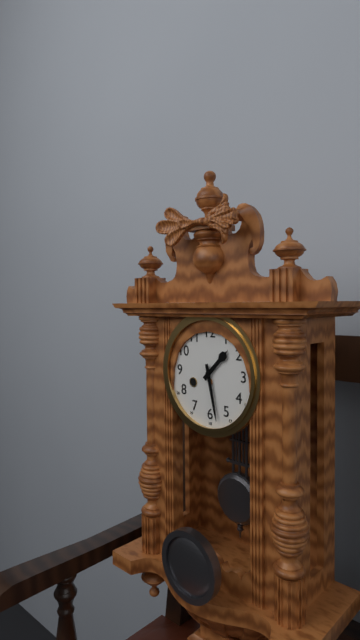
1:28
